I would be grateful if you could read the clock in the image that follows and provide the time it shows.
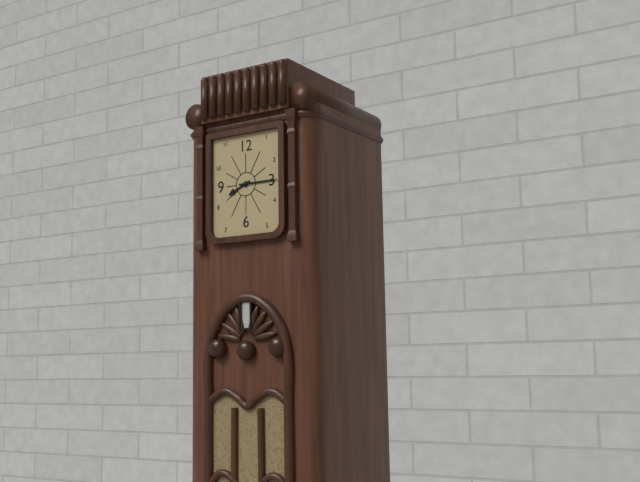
8:15
